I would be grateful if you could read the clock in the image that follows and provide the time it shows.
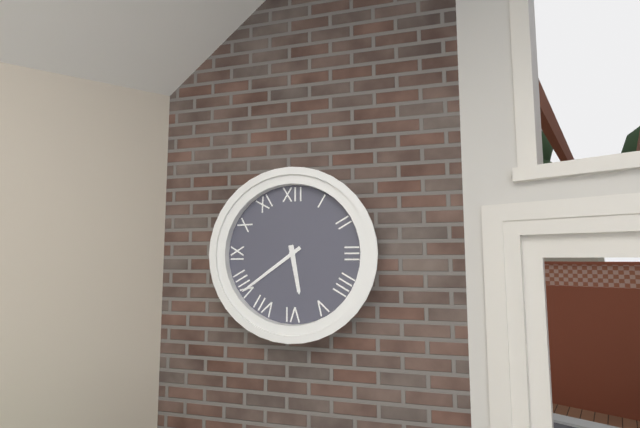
5:39
